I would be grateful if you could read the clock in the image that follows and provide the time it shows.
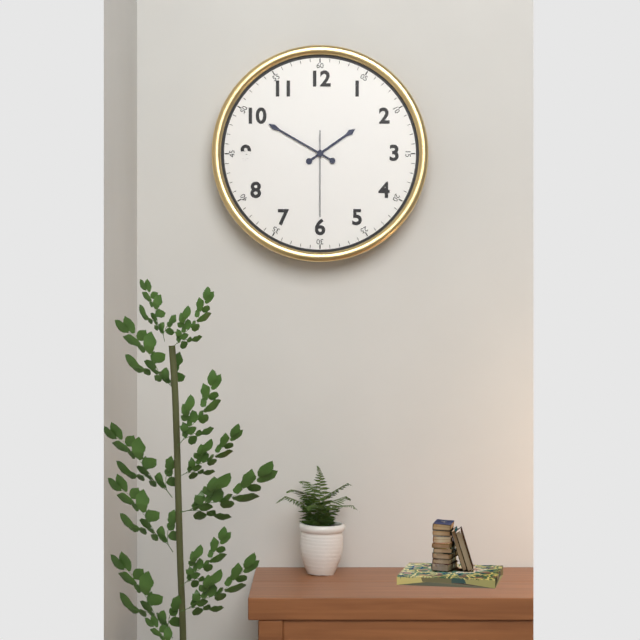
1:50:30
